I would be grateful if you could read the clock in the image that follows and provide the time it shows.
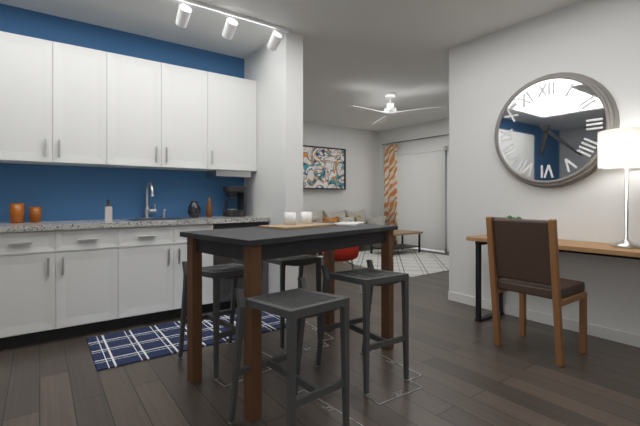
6:22
